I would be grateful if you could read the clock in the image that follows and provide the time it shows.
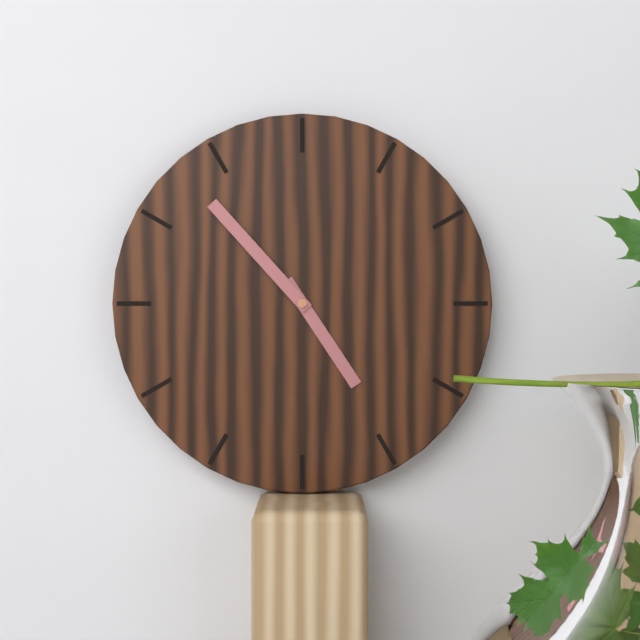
4:53
